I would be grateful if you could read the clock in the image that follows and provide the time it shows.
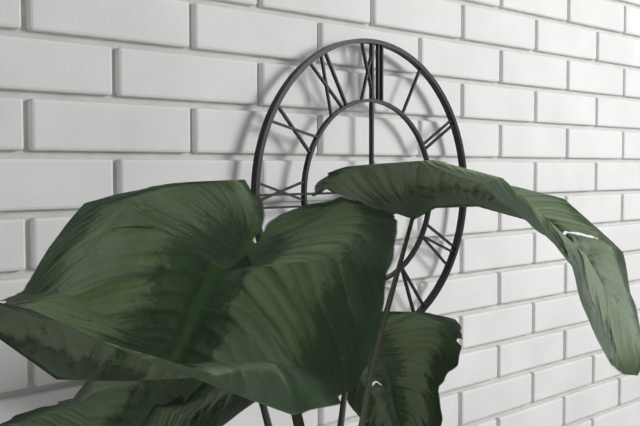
5:37
